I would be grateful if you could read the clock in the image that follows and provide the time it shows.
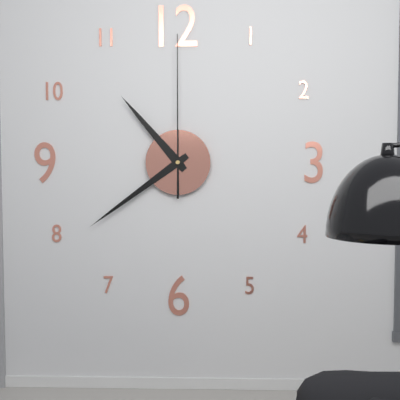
10:39:00
